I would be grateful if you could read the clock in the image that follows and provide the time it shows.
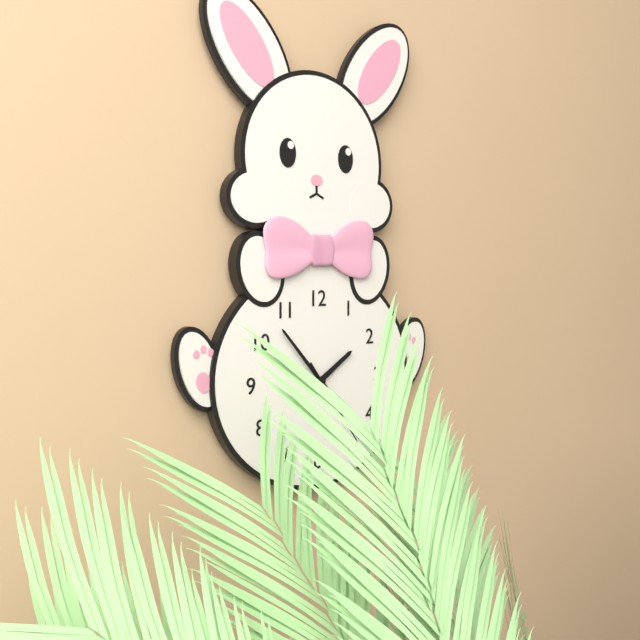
1:53:24
